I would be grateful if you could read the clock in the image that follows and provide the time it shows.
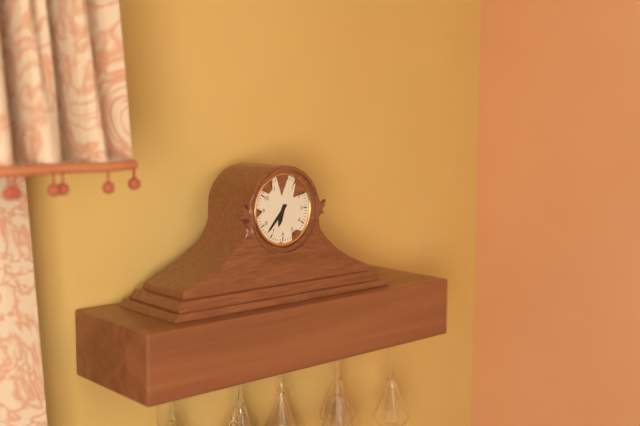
6:37
